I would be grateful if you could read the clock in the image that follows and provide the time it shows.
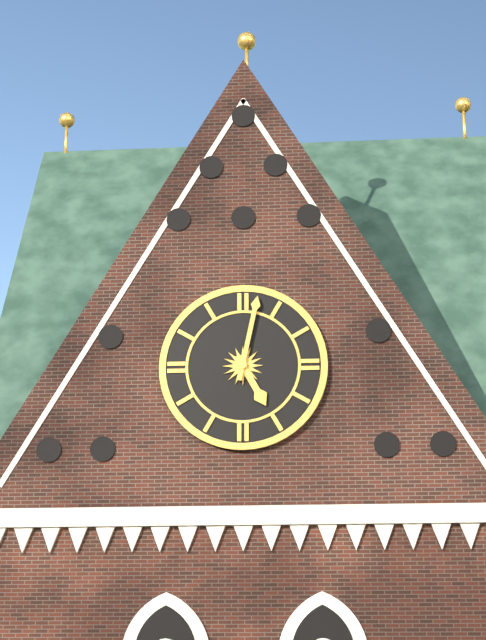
5:02
